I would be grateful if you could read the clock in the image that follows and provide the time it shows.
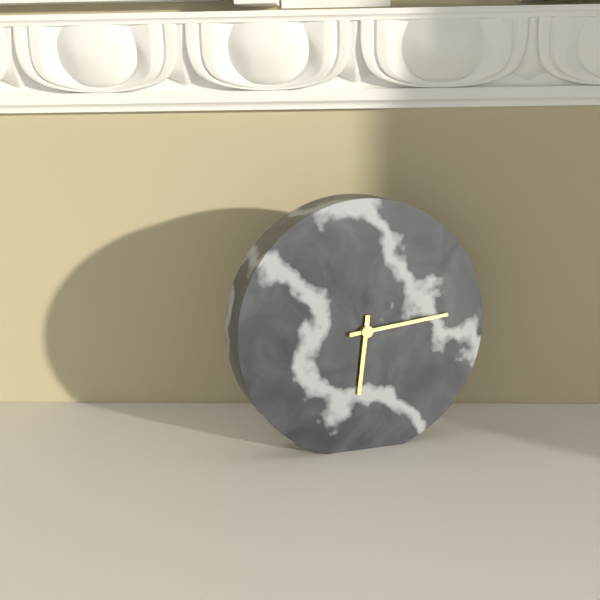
6:14
